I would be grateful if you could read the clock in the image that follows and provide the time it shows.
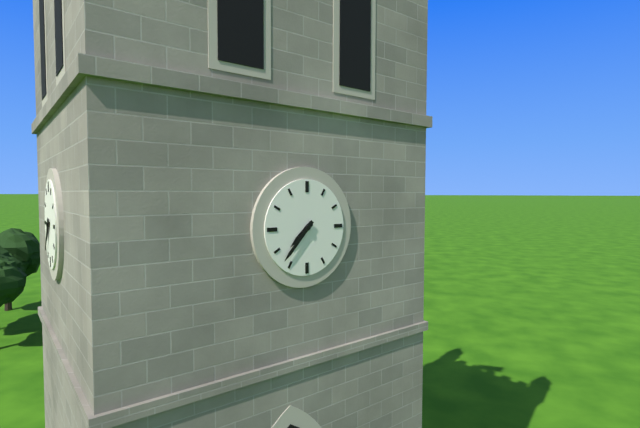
7:37
